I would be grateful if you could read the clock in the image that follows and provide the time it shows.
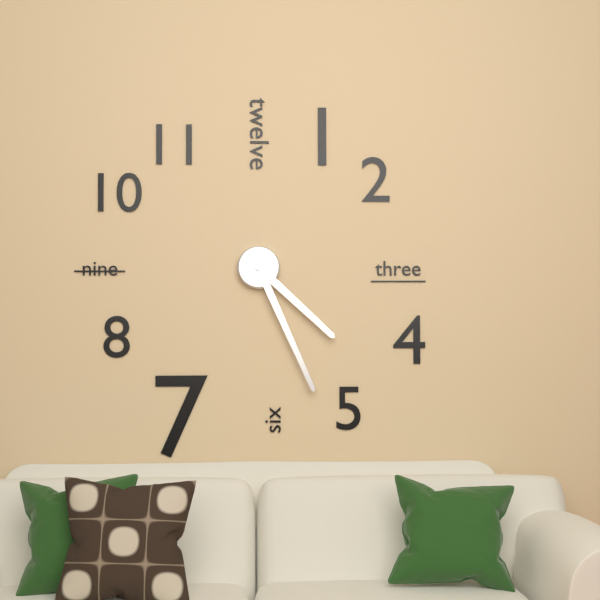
4:26
